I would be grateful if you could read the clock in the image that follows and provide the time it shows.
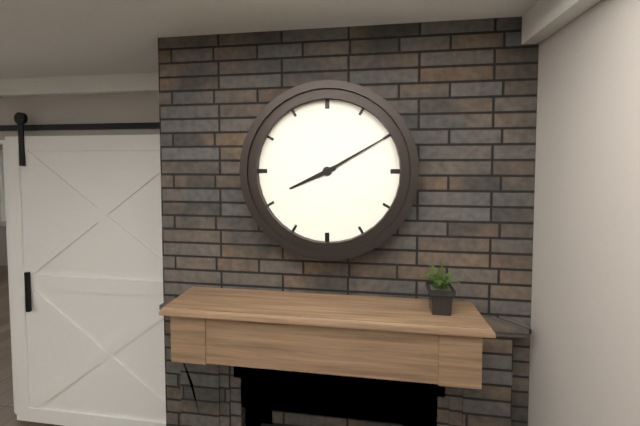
8:10
